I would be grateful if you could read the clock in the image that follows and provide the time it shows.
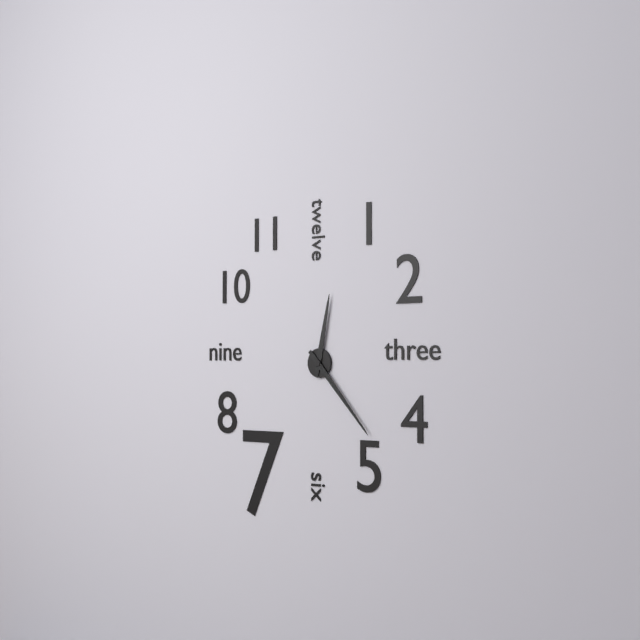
12:23
